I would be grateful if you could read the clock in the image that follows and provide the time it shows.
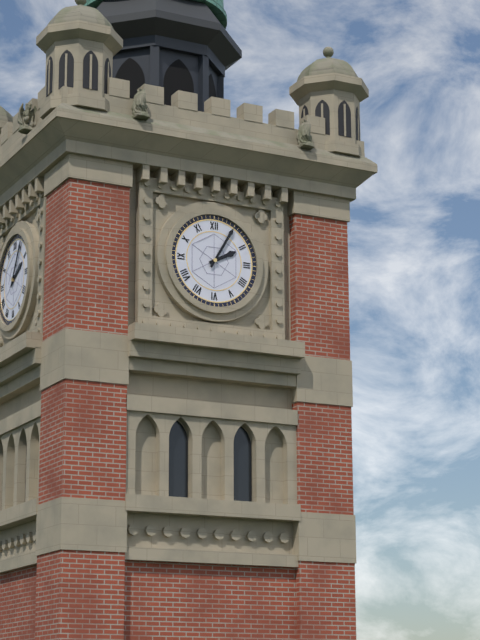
2:05
